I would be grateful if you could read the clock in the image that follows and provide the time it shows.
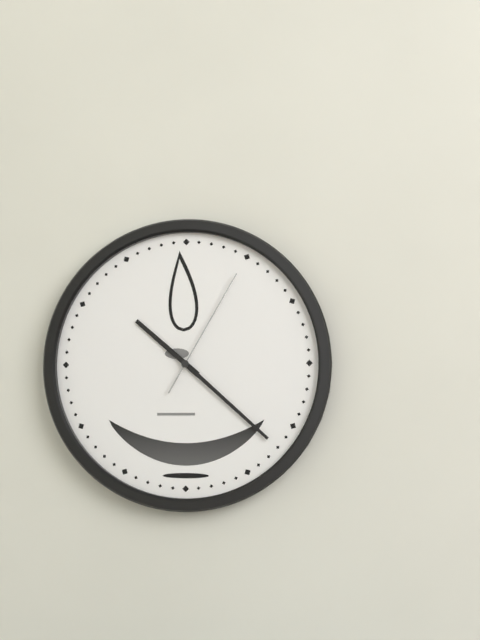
10:22:05
